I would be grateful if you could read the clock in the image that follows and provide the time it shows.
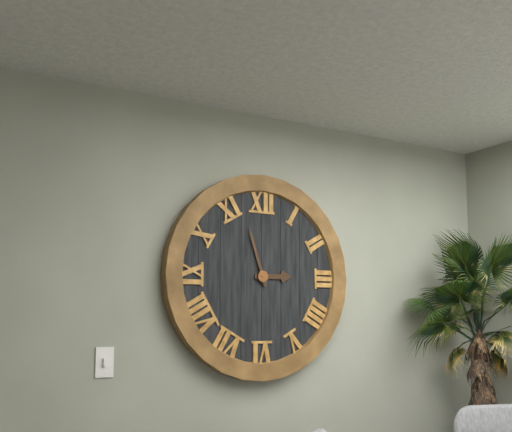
2:57
